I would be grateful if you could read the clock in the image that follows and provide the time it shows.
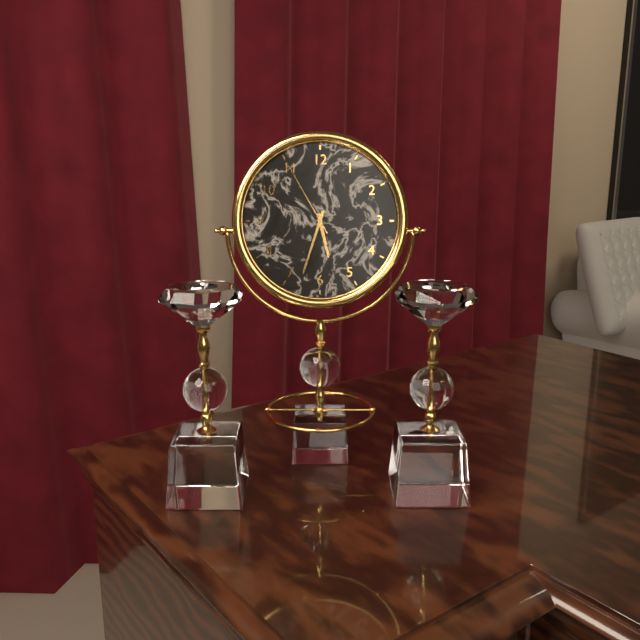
5:33:55
